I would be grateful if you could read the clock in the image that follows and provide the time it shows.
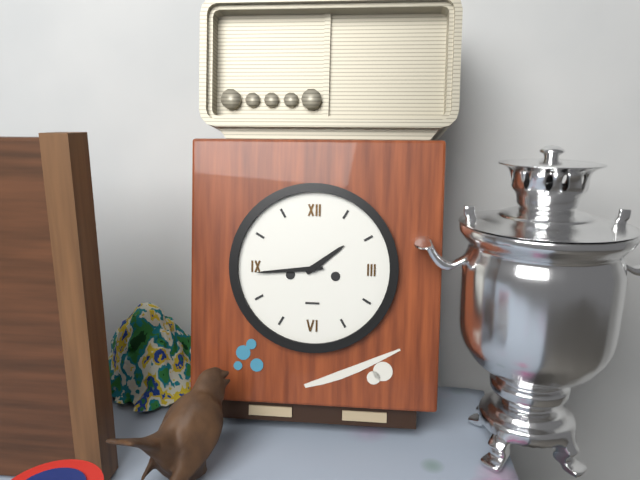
1:44
